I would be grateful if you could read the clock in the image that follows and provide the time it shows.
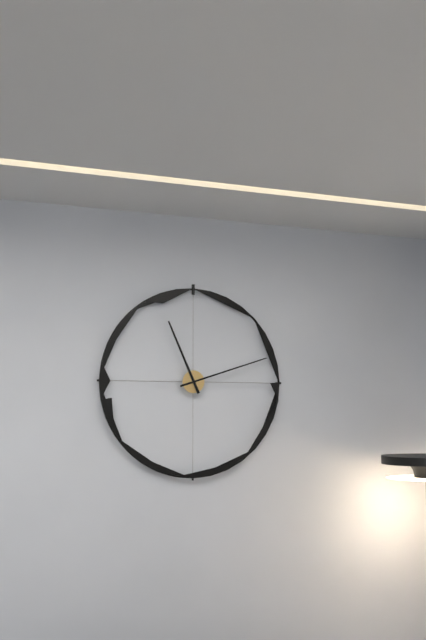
11:12
